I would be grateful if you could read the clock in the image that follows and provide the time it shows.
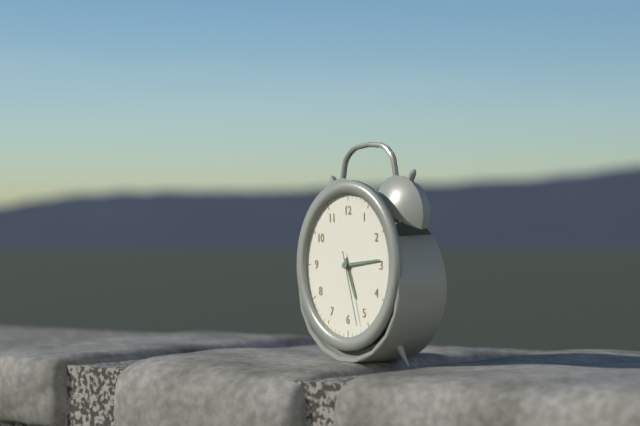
5:14:27
